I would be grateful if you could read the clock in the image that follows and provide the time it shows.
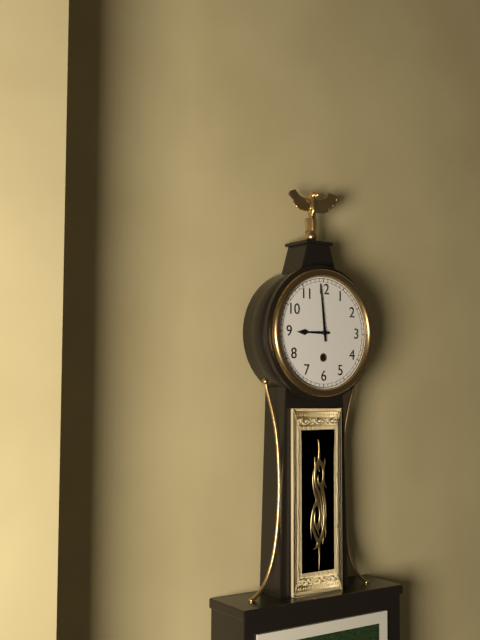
8:59
